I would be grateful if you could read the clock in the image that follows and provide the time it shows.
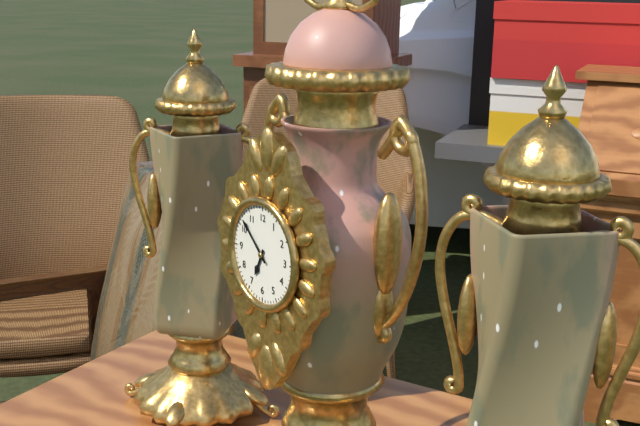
6:52
